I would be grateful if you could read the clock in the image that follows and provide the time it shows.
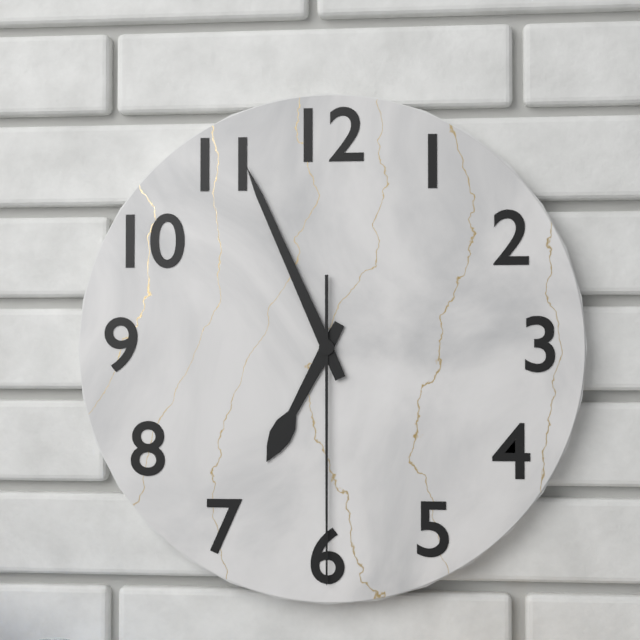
6:56:30
